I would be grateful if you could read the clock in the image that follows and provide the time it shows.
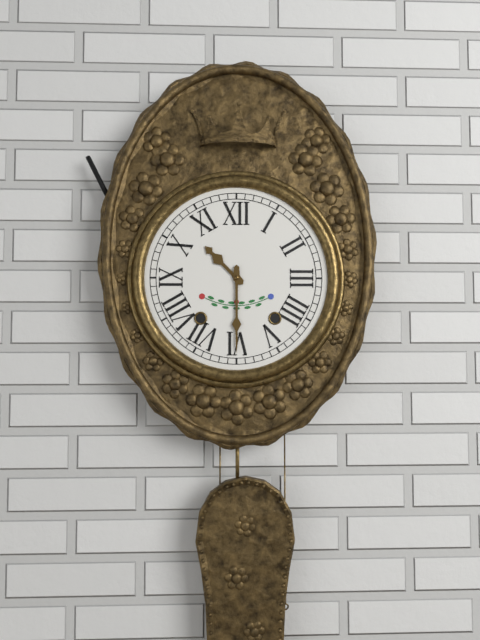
10:30
